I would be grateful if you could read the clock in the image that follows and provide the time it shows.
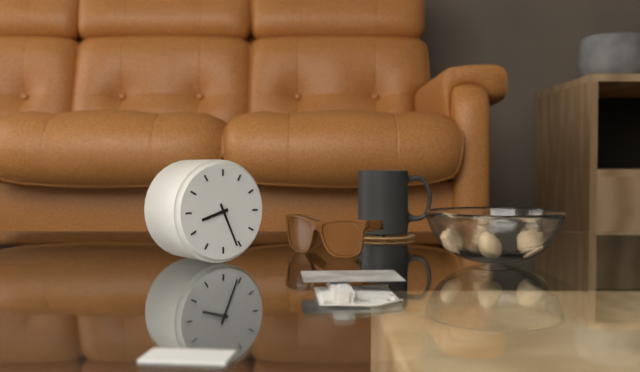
8:26
